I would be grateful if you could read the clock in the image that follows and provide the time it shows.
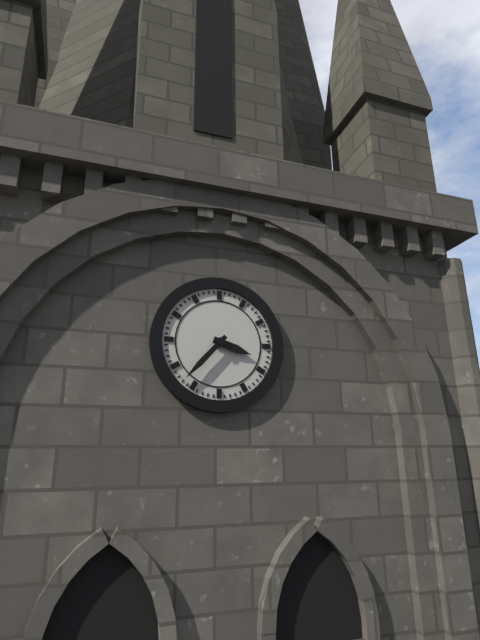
3:37
